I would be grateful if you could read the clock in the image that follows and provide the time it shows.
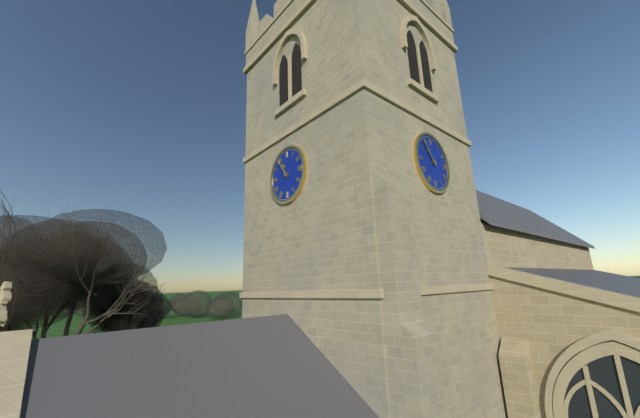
10:54
